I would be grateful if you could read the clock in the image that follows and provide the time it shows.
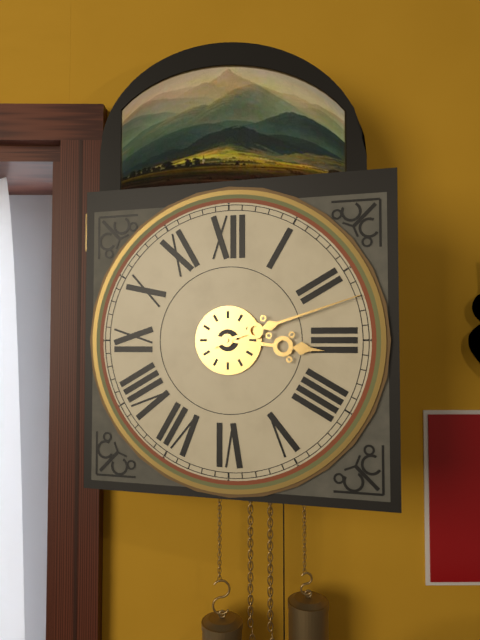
3:12
